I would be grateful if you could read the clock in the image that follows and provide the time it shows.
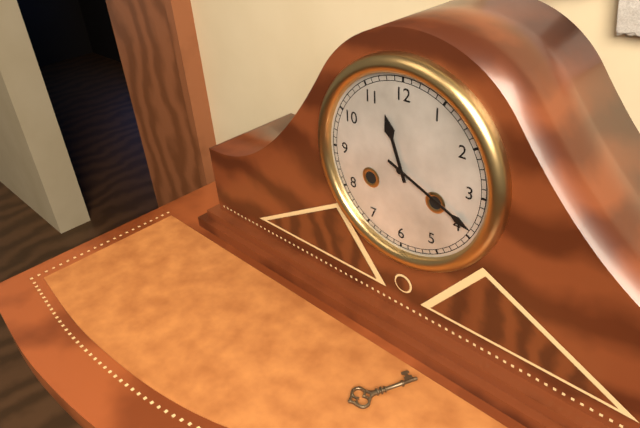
11:19
